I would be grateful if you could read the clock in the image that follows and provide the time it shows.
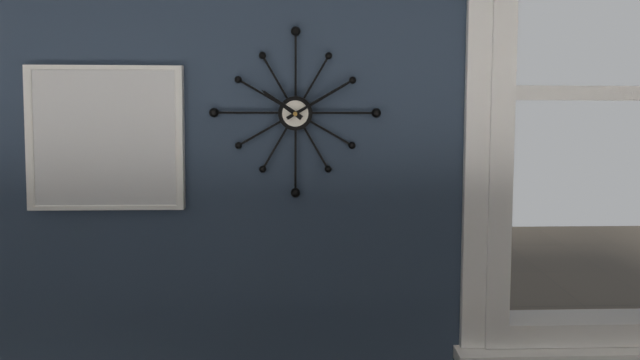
10:10
